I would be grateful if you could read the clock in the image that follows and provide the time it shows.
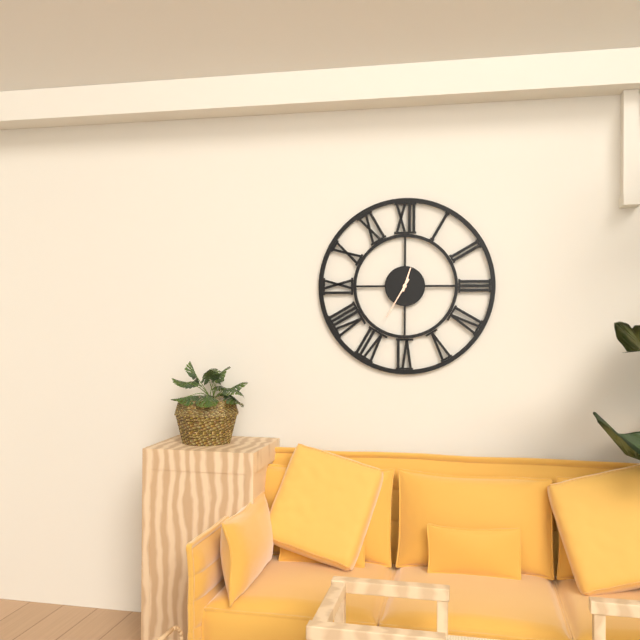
12:35
